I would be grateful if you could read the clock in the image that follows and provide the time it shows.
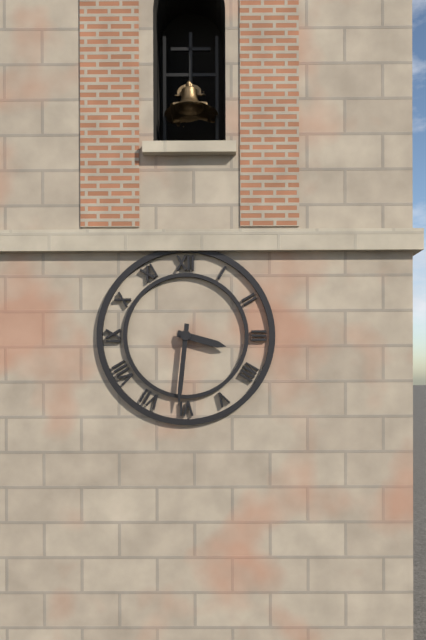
3:31
